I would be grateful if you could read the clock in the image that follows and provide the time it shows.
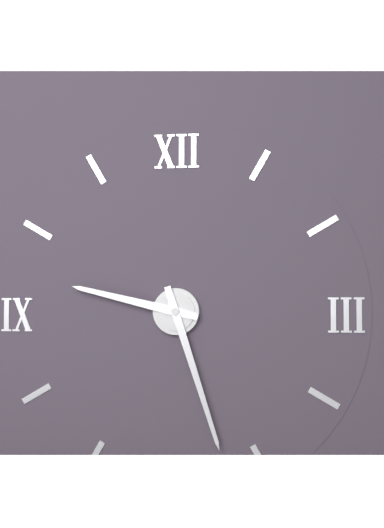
9:27
